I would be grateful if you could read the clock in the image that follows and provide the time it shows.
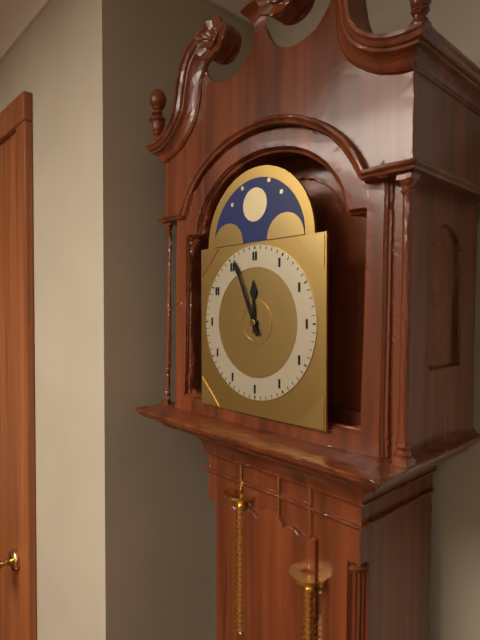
11:56
